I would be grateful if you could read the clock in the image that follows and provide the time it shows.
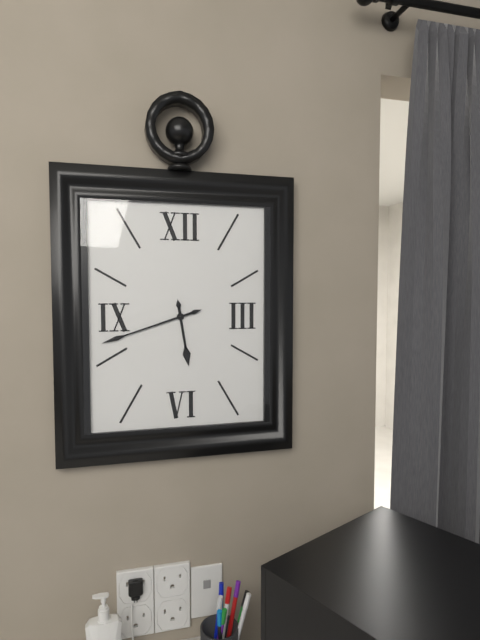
5:42
